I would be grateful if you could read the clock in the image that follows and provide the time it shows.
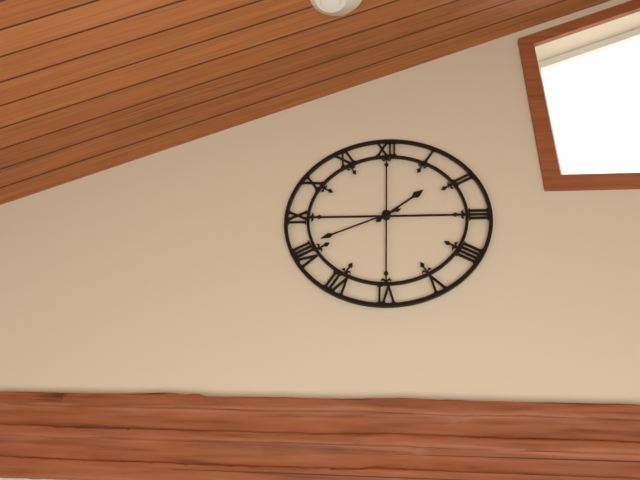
1:41
